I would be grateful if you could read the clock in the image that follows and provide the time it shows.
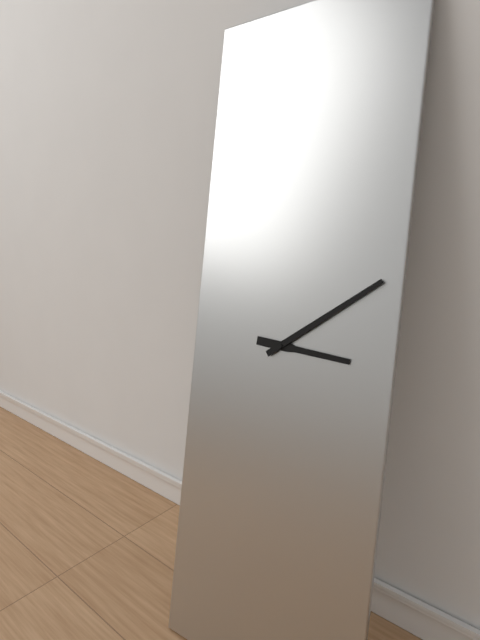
3:09
